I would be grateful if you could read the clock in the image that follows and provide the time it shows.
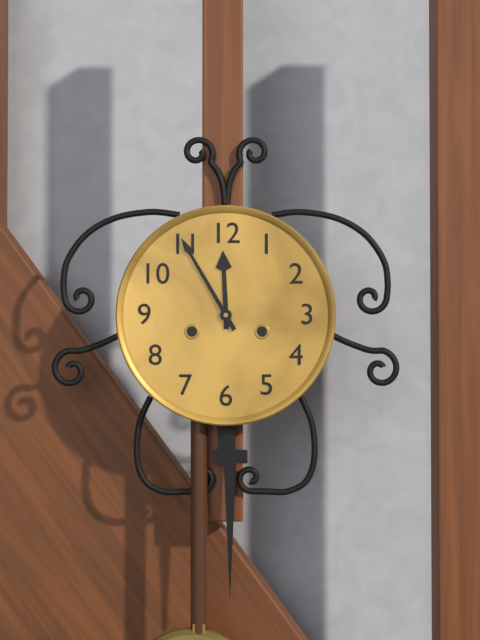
11:55
